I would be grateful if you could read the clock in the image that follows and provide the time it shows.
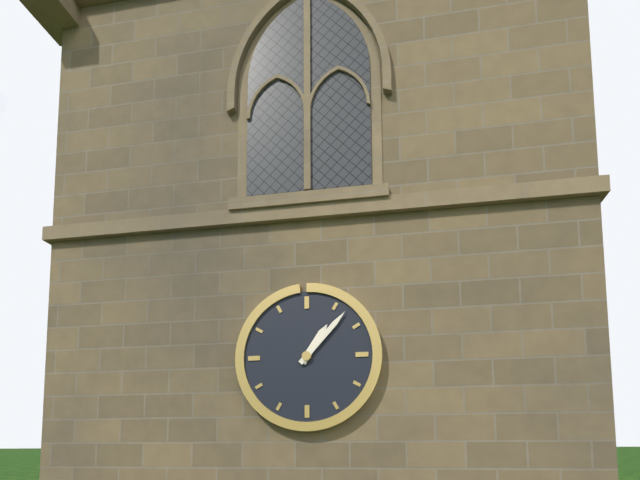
1:07
